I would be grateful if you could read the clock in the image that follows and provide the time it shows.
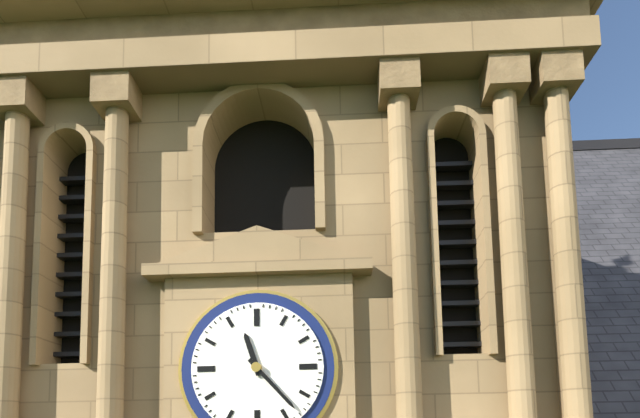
11:23
